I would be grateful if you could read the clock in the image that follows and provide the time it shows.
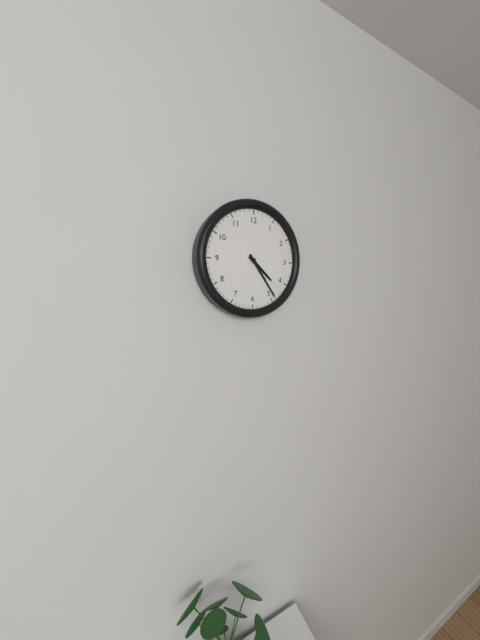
4:24
